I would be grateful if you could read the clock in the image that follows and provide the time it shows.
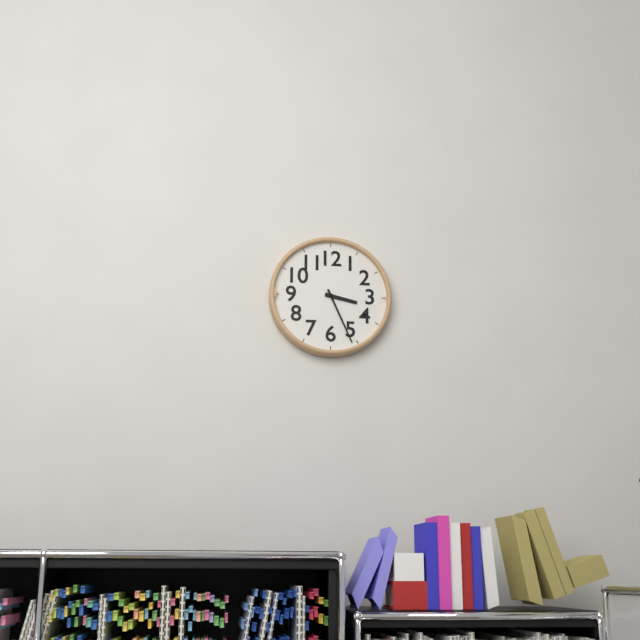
3:26
